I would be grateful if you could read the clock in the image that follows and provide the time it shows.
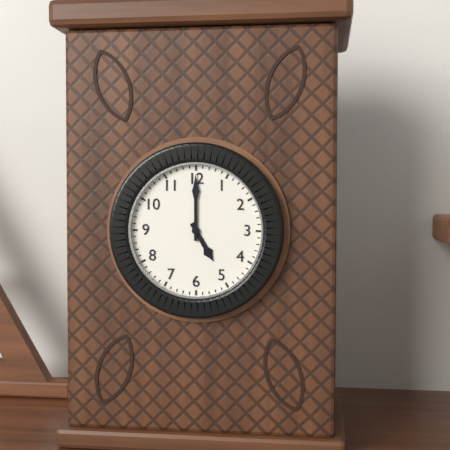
5:00
